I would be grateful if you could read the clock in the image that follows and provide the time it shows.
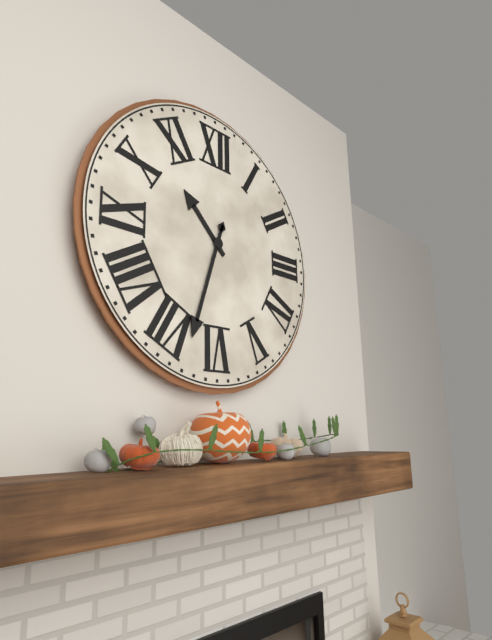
10:33
